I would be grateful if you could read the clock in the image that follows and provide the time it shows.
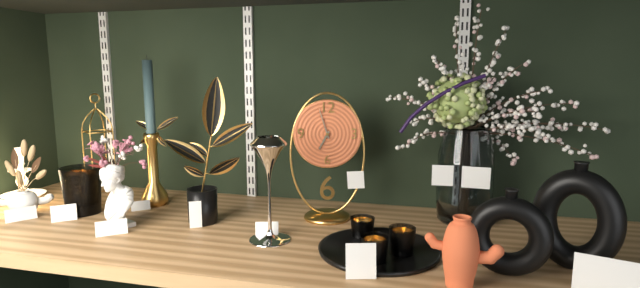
6:57
